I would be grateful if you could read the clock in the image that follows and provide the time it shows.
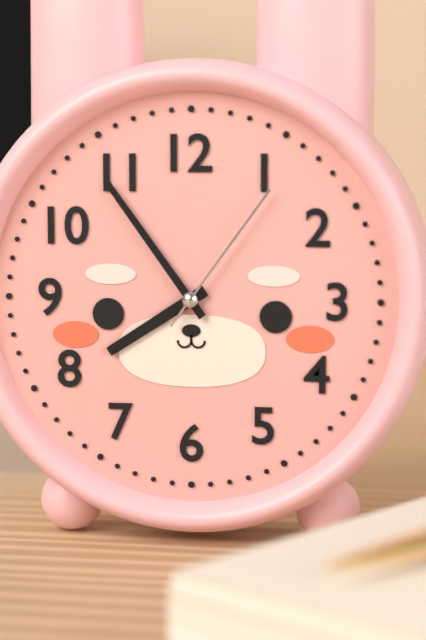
7:54:06
